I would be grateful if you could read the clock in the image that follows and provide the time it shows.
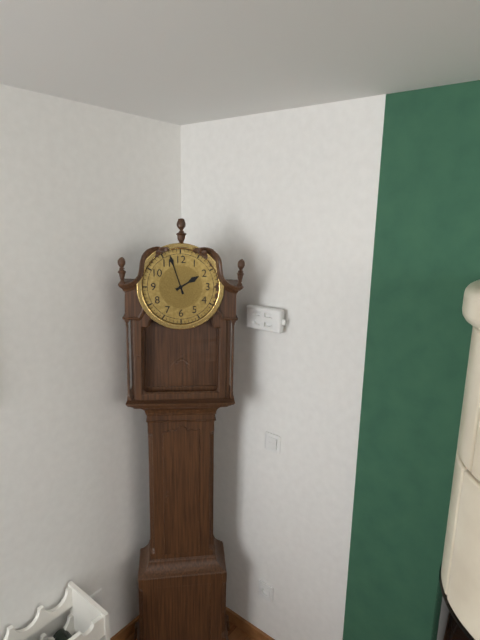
1:57
